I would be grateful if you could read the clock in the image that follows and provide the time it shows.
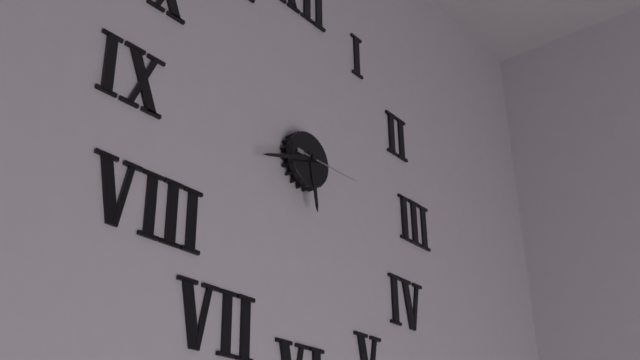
5:42:15
